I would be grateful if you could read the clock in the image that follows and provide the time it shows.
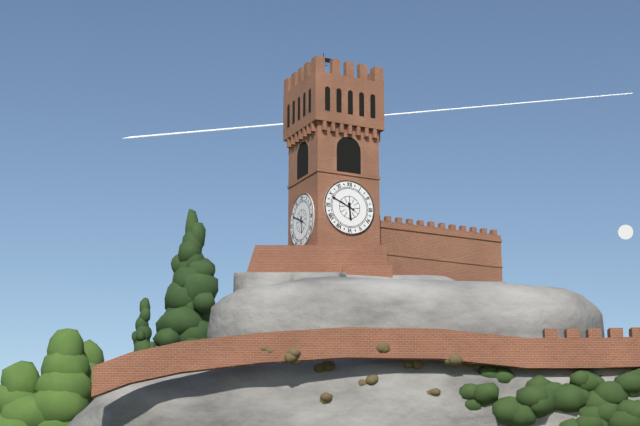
5:49
